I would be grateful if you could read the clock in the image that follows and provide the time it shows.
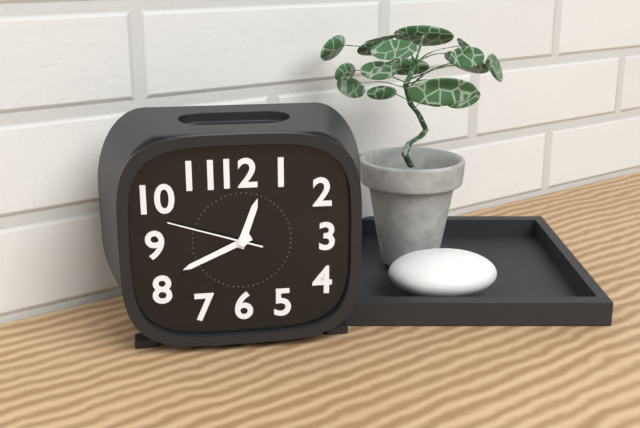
12:41:48
